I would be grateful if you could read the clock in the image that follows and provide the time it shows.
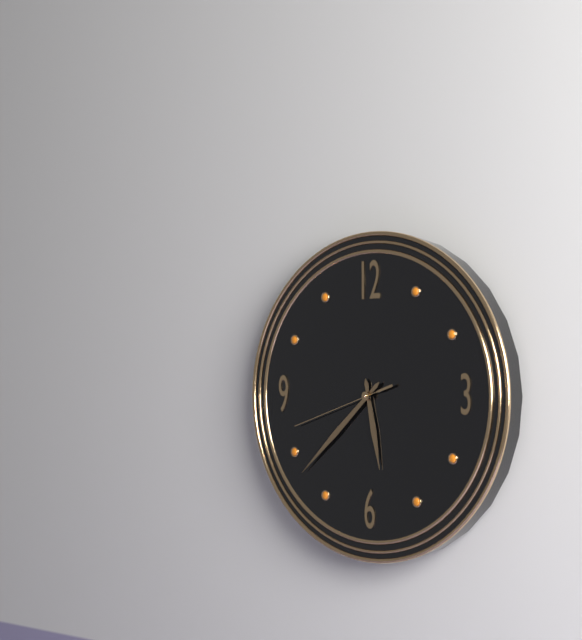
5:38:42
